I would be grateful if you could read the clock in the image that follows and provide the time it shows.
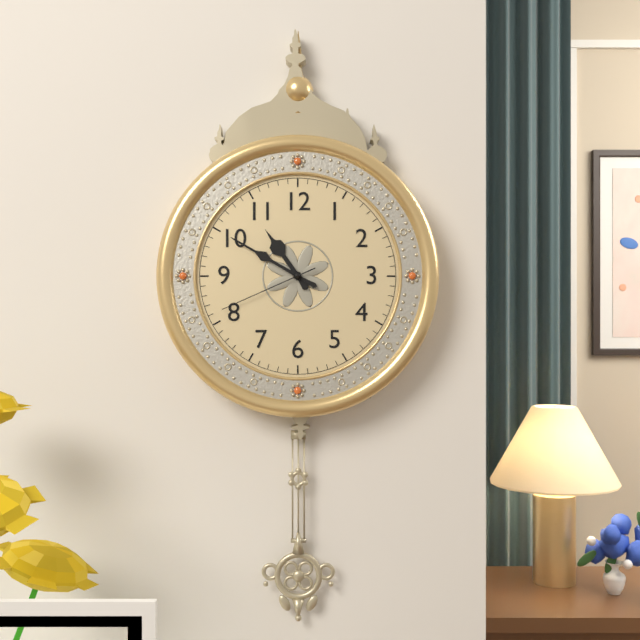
10:50:41
